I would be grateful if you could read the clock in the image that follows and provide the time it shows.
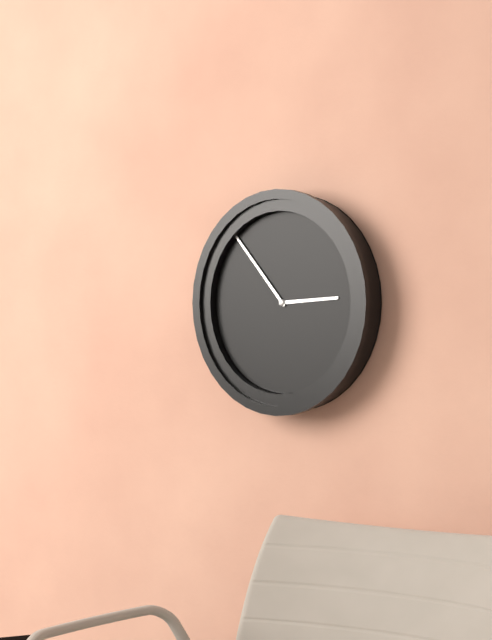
2:53
